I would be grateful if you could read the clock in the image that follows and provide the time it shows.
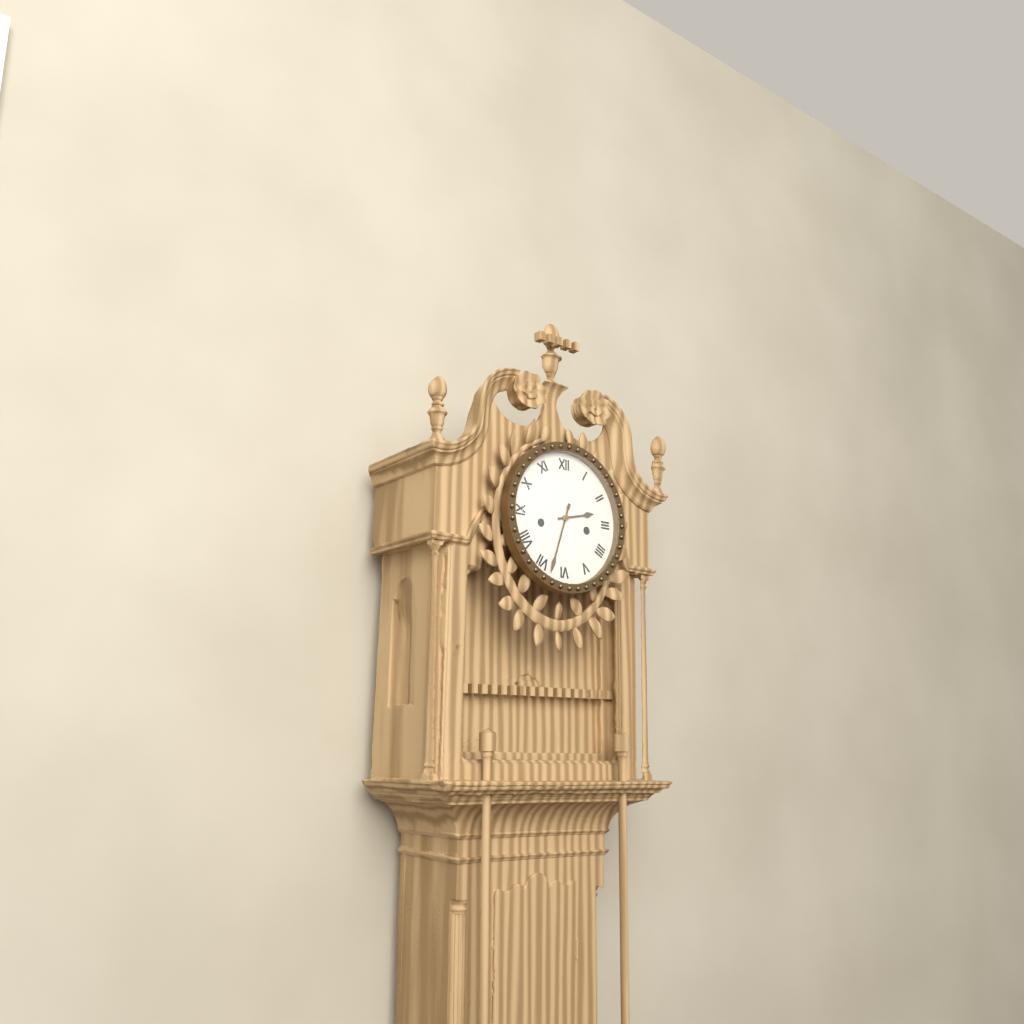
2:33
